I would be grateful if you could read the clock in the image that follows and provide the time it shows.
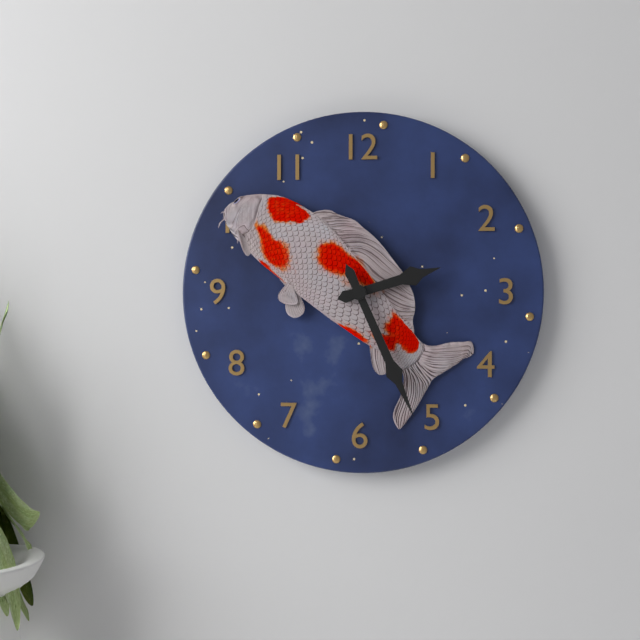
2:26
